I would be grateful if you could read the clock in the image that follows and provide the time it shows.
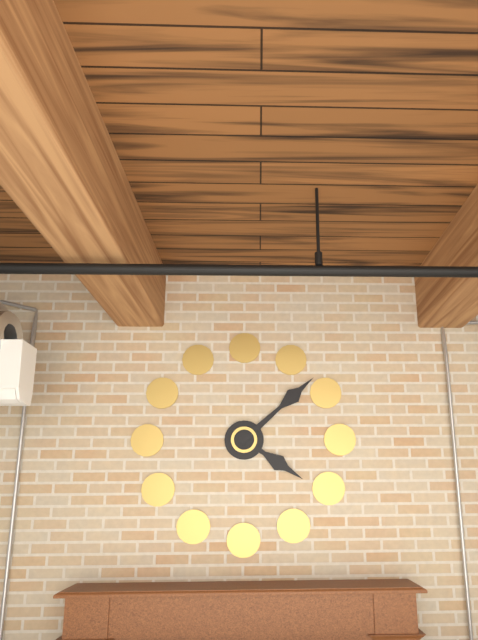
4:08
